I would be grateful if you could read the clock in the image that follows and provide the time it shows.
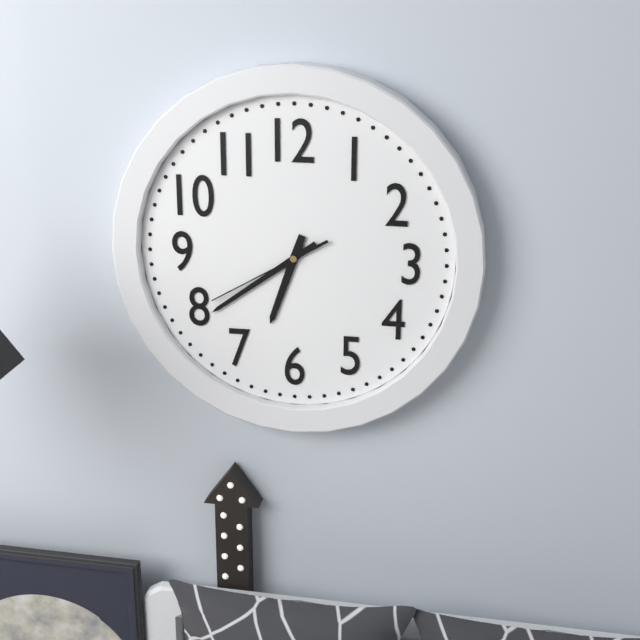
6:39:40
